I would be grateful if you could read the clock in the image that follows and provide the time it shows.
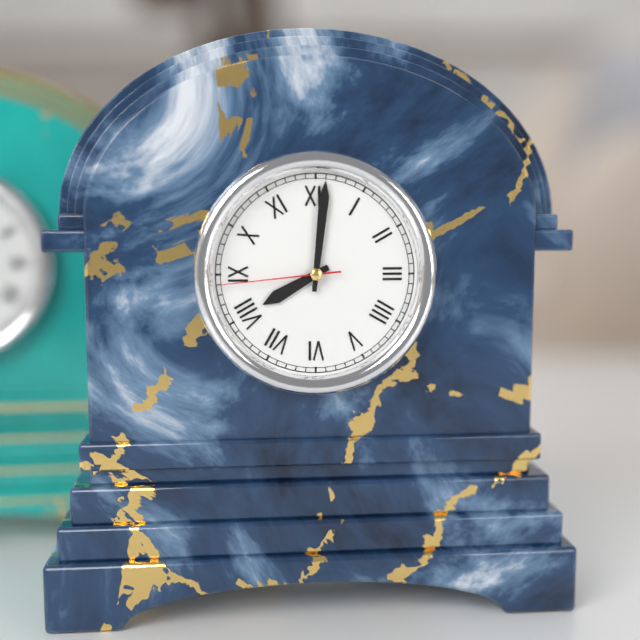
8:01:44
